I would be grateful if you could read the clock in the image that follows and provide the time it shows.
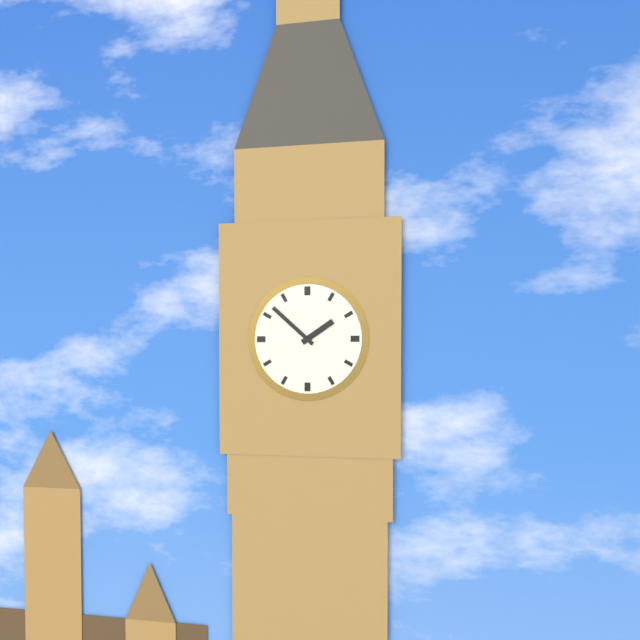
1:52
